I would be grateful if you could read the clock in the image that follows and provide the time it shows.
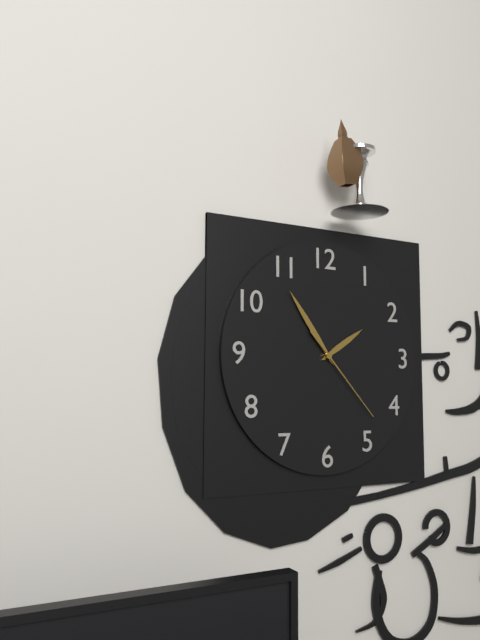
1:54:23
